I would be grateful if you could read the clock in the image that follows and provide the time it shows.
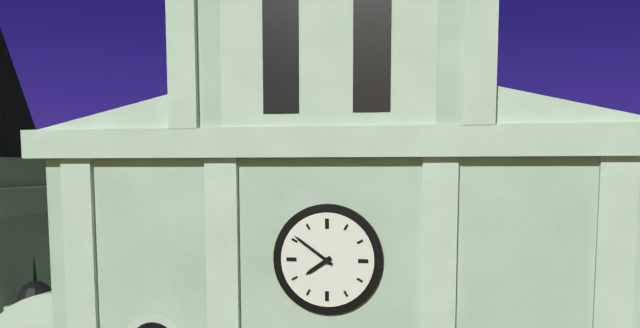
7:51
